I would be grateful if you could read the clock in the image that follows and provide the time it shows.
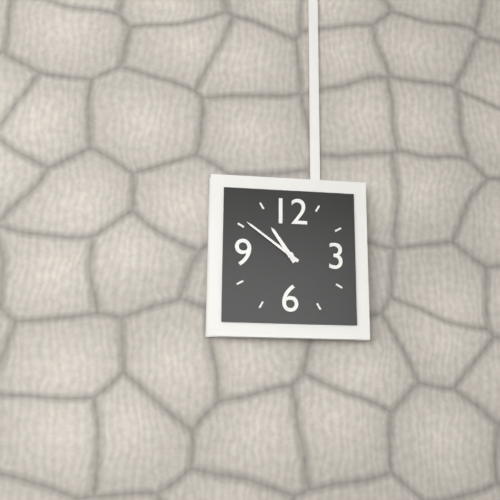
10:51
